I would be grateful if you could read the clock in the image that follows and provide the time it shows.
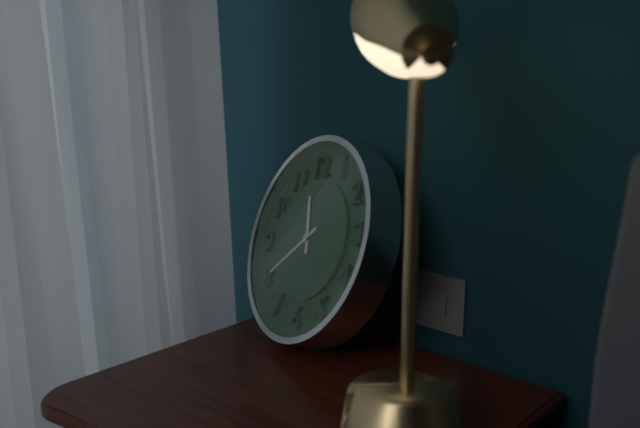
11:40
